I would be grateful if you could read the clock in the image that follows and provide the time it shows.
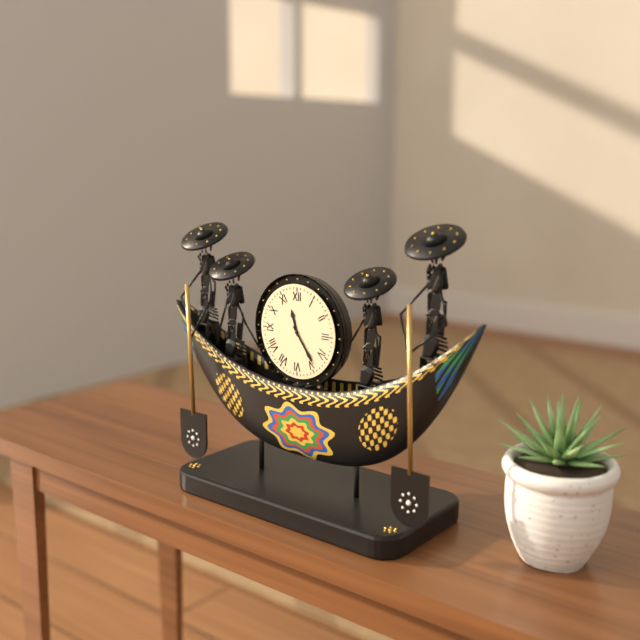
11:24
